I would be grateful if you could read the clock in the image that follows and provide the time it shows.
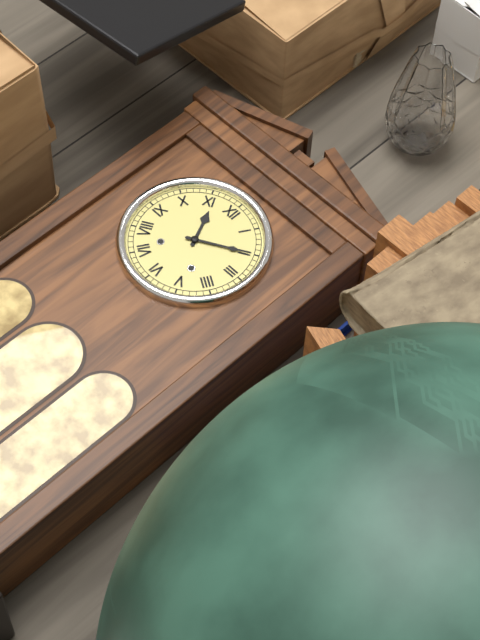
11:10
